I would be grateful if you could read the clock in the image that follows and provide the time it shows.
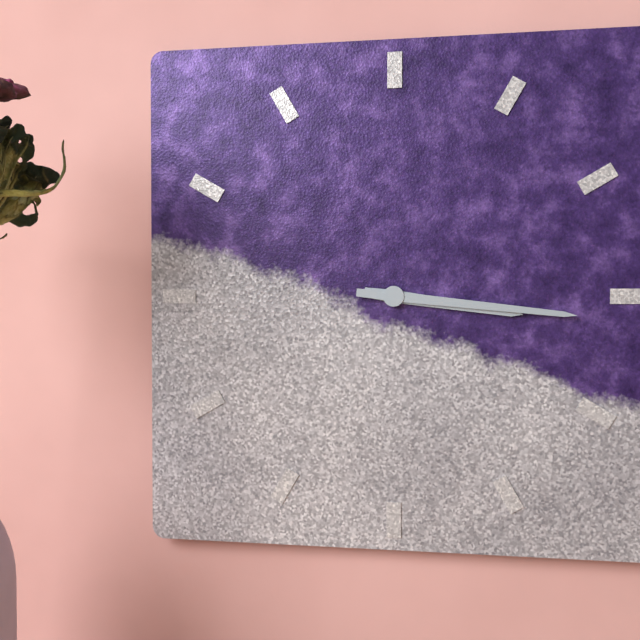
3:16
